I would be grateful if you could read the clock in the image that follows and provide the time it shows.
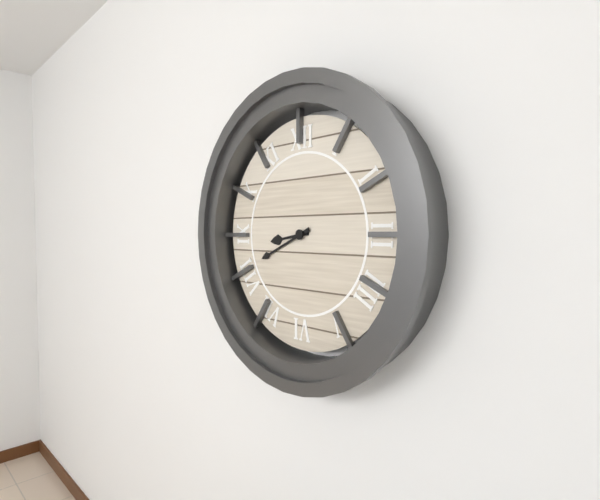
8:41
